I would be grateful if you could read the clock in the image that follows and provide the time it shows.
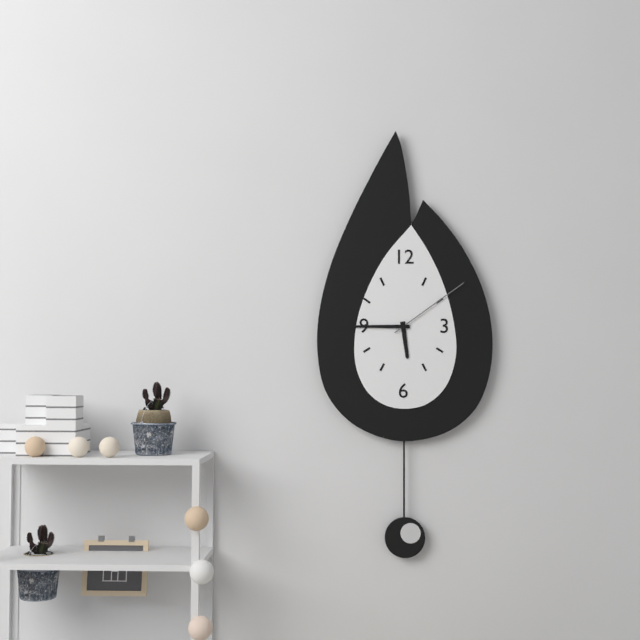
5:45:09
